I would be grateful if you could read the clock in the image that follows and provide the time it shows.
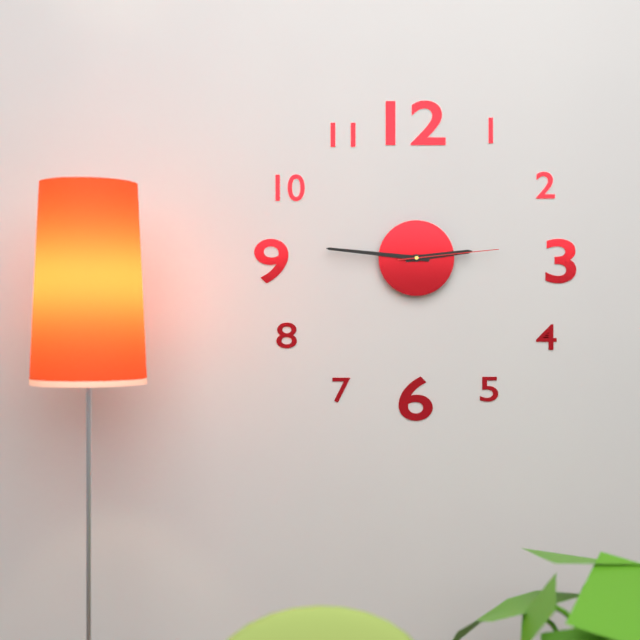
2:46:14
